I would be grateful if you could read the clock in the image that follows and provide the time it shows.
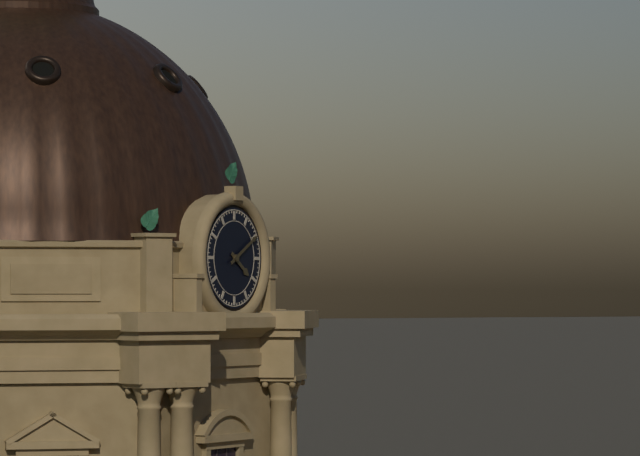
4:10
